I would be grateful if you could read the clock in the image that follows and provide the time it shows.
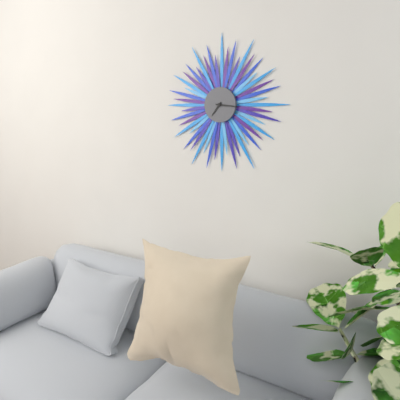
7:16
